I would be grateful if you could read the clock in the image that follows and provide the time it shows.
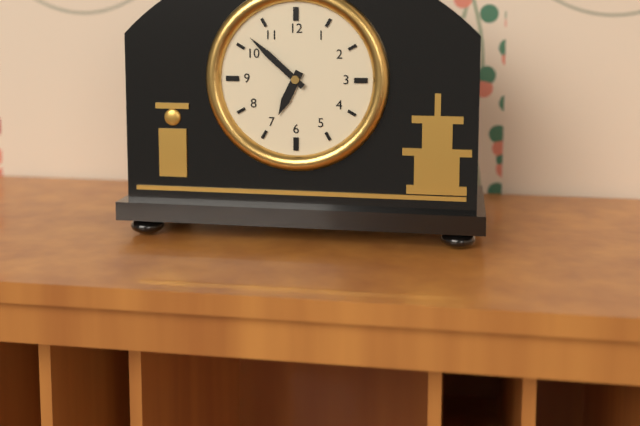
6:52
